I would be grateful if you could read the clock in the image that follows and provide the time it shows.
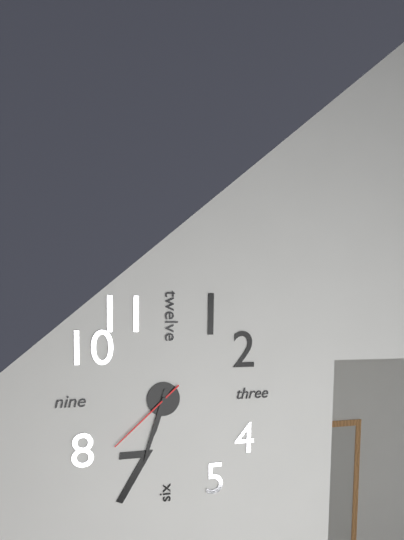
6:33:38
